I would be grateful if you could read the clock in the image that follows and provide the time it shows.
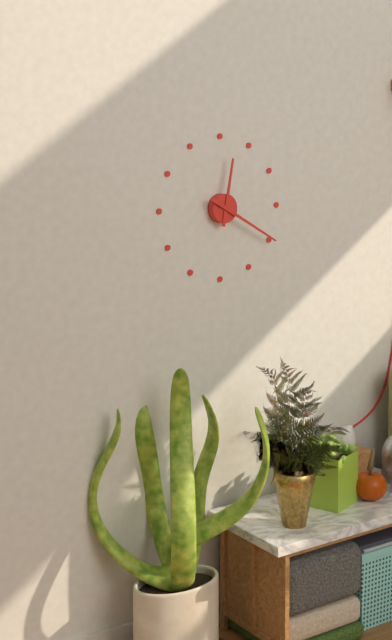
12:20
